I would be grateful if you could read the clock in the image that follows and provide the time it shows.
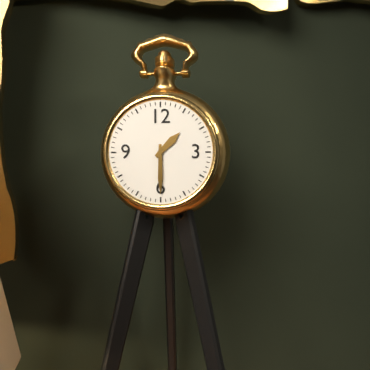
1:30
